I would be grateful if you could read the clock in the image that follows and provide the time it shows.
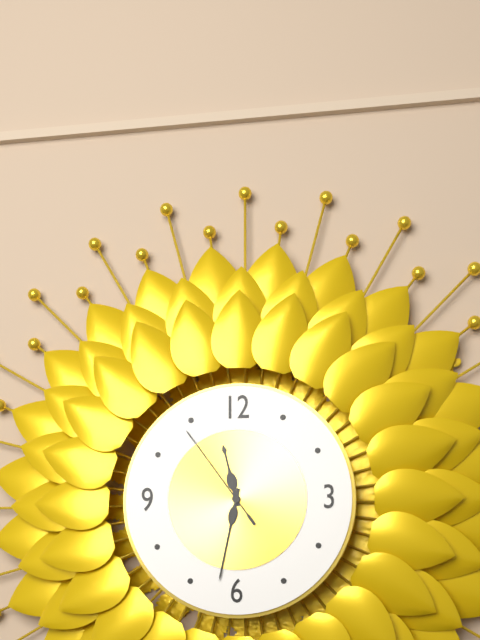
11:32:54
